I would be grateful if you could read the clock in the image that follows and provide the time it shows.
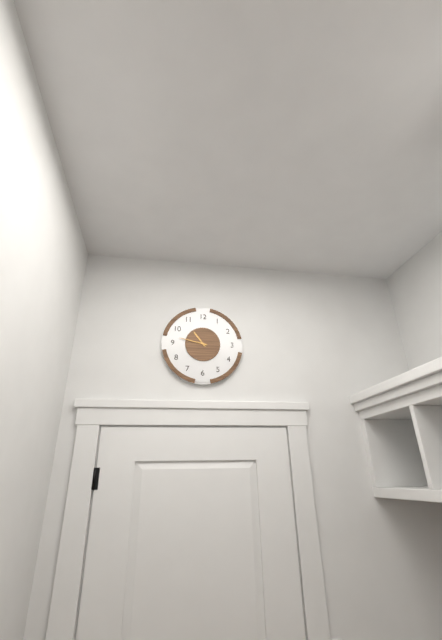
10:47
